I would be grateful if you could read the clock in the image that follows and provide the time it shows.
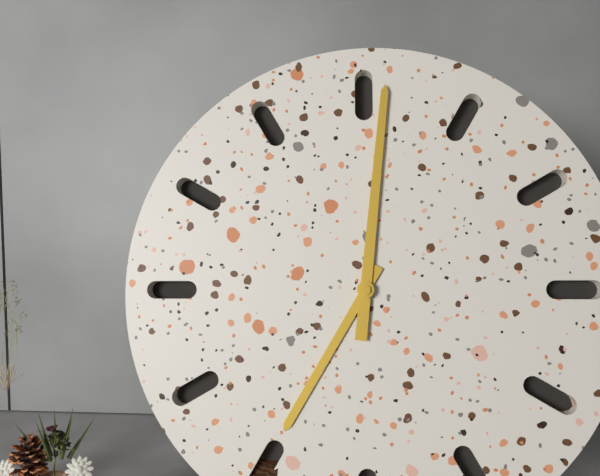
7:01
